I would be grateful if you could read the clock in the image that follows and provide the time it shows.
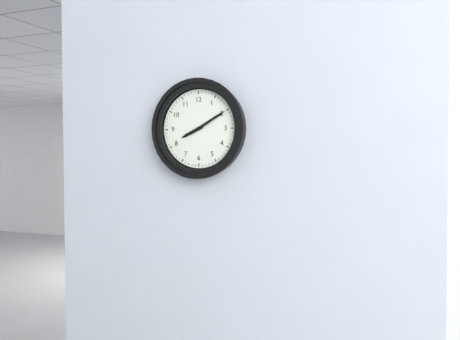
8:10
